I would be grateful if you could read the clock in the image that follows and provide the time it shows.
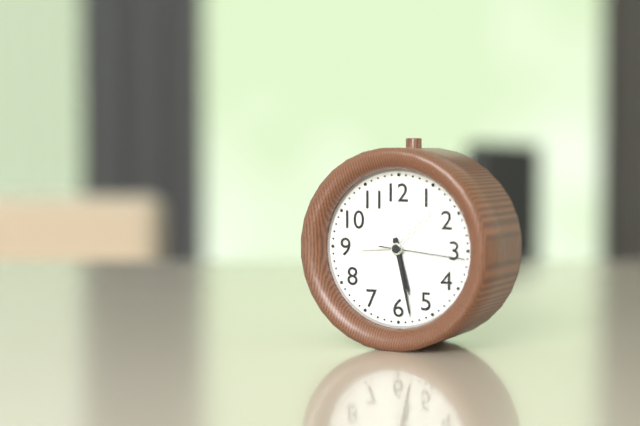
5:28:16
